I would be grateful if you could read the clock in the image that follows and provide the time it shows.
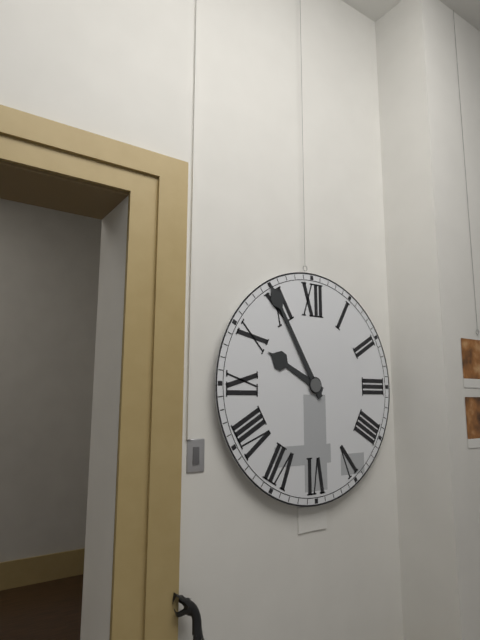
9:55
